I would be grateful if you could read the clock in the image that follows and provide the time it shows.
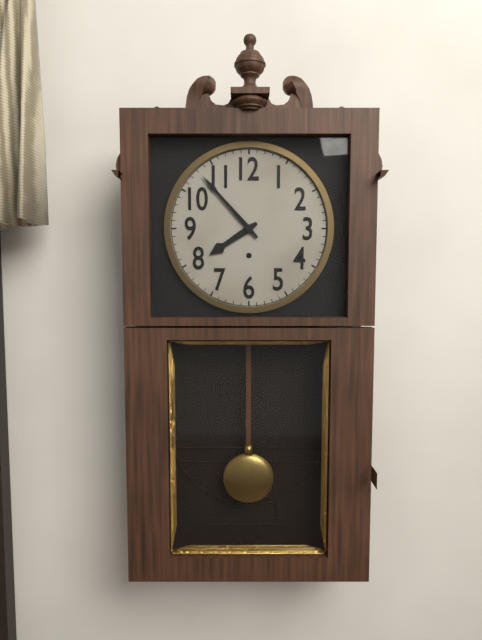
7:53
